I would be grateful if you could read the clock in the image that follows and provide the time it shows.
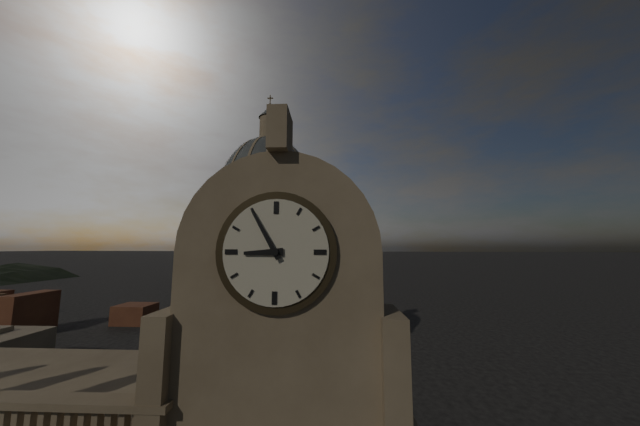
8:55
